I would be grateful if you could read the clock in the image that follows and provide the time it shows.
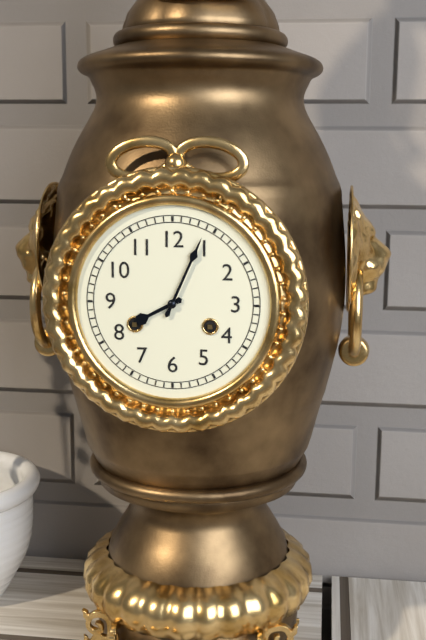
8:04
